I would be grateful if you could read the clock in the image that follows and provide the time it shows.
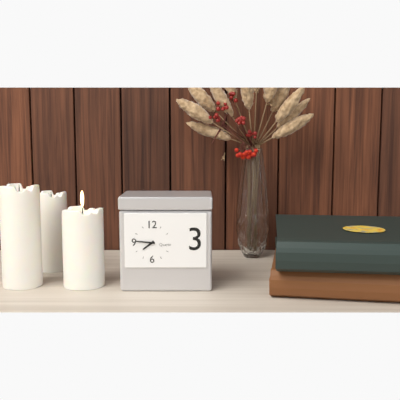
7:46
